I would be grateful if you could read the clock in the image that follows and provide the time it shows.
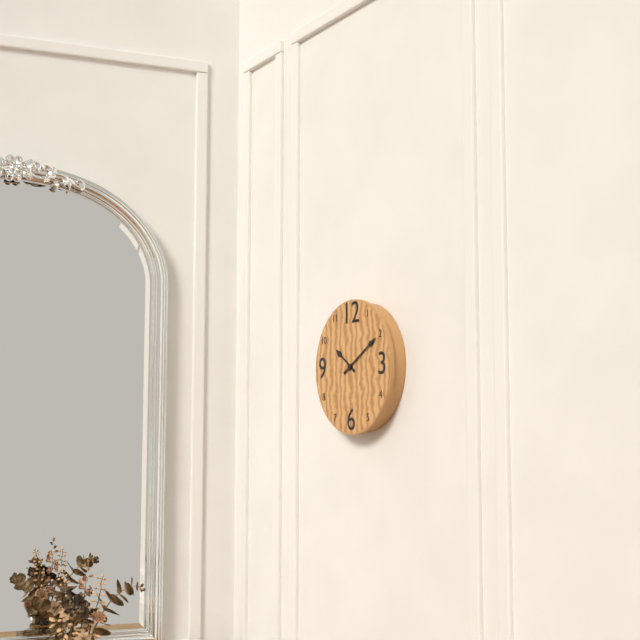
10:10
